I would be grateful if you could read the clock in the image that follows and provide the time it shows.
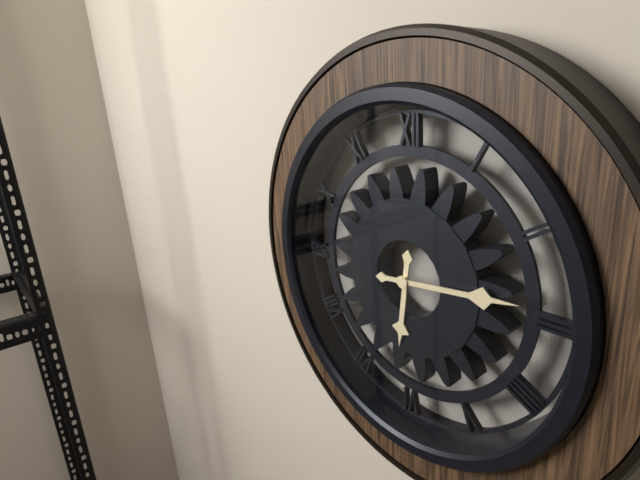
6:14
